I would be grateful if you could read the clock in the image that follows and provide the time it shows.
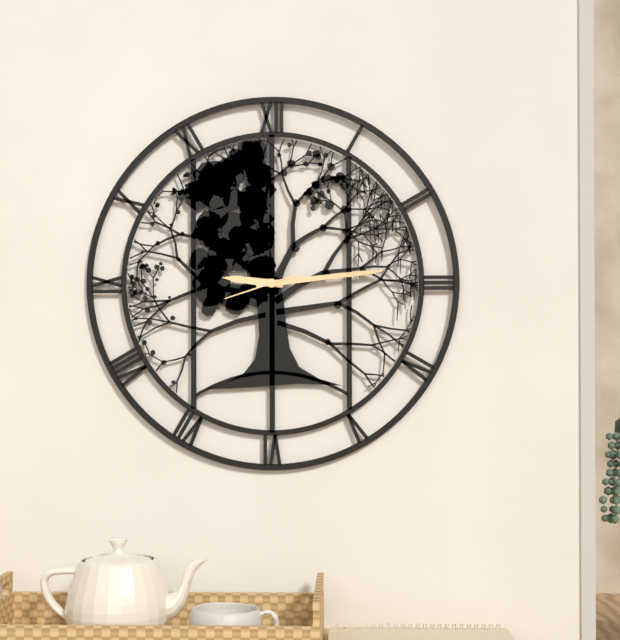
9:14:42
